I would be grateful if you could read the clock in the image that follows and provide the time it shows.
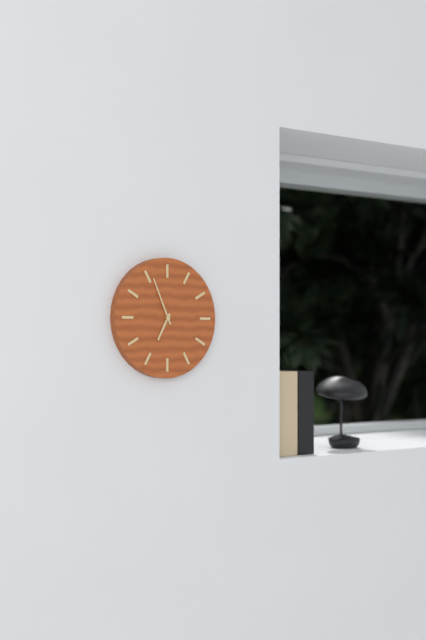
6:56
